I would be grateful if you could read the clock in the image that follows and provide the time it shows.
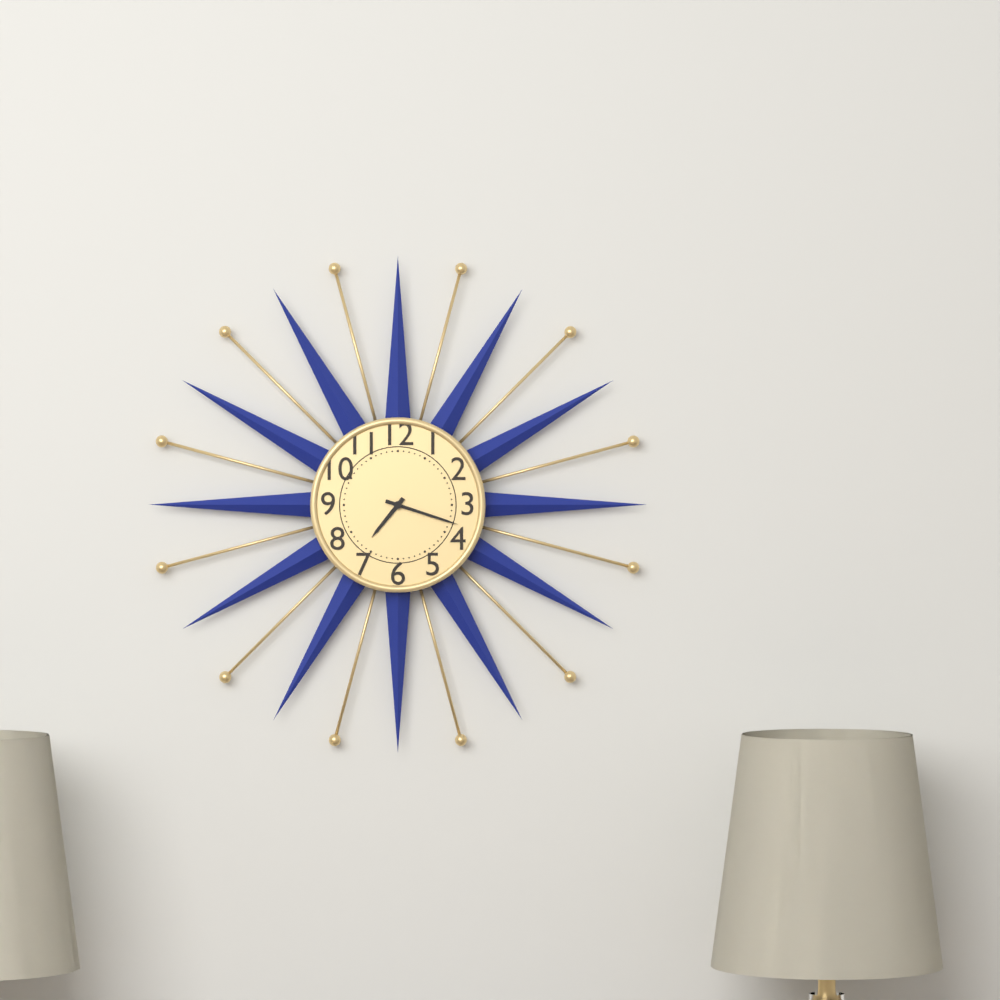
7:18
